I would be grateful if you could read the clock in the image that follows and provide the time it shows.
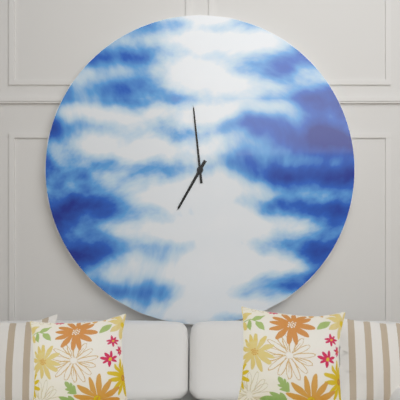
6:59
